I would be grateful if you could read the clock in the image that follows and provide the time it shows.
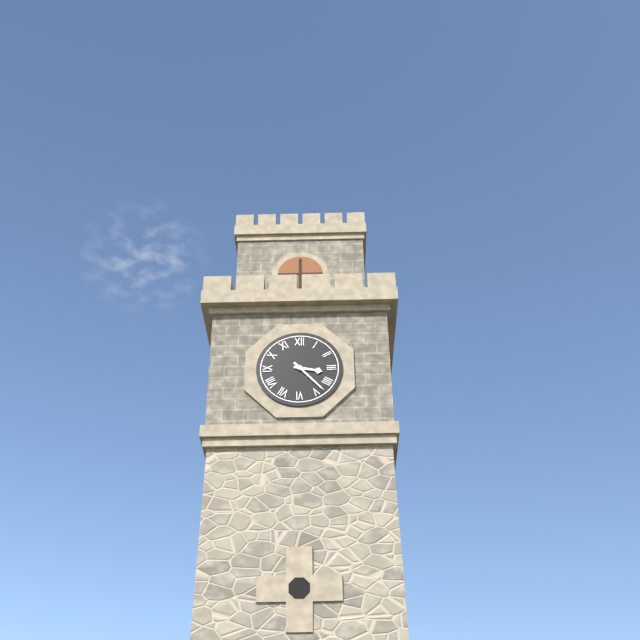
3:23
